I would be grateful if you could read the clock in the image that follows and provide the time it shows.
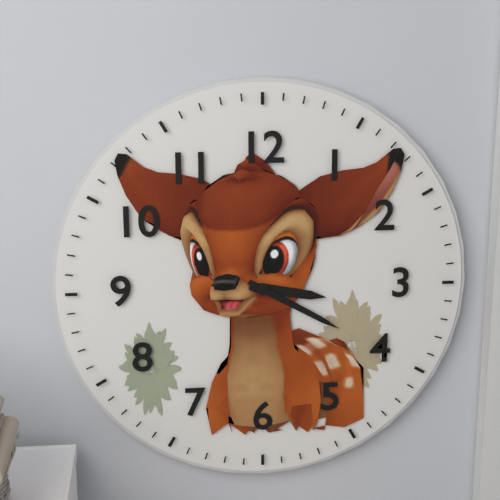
3:20
